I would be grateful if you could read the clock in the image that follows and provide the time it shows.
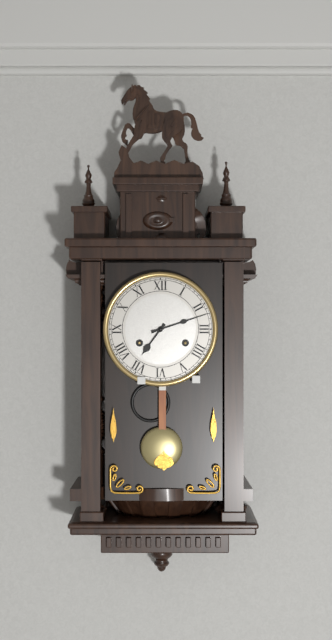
7:12
